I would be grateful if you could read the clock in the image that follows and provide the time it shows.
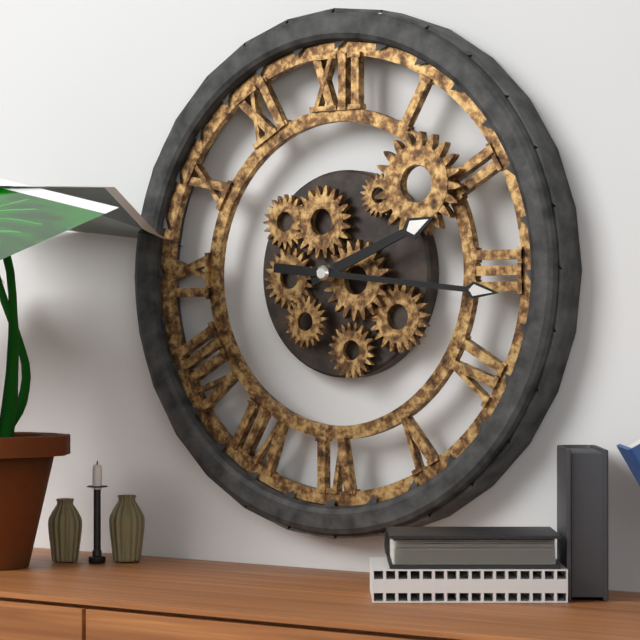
2:16
